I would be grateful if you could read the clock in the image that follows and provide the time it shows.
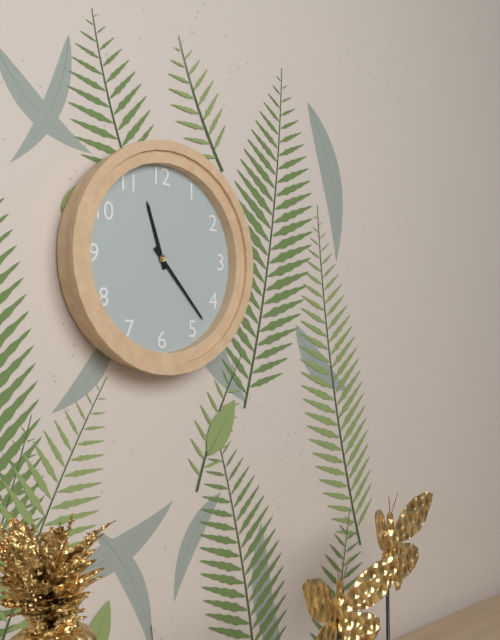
11:23
